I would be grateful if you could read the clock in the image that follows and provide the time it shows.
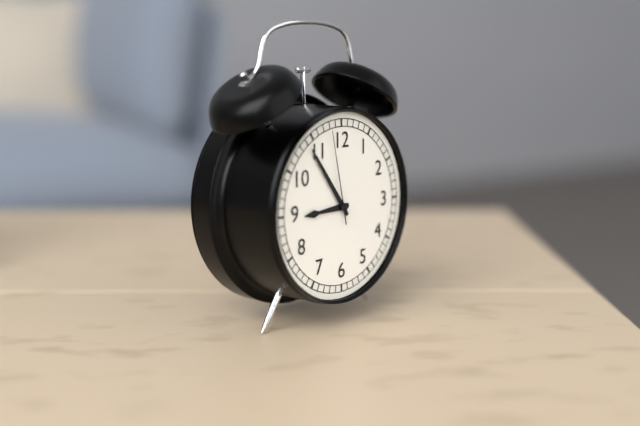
8:54:58
